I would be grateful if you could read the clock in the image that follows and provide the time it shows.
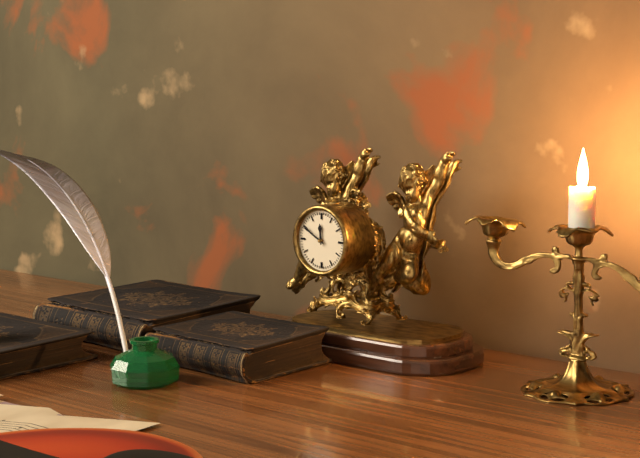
11:50
